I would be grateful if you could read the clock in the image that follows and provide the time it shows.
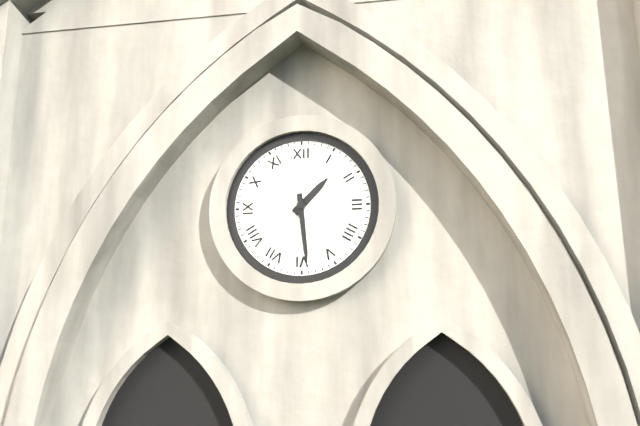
1:29
